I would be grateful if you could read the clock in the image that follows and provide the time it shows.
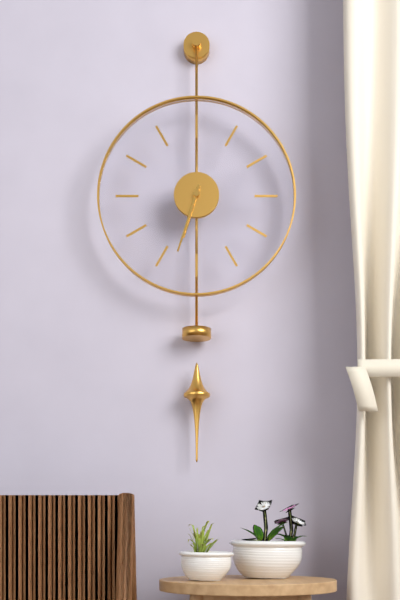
6:33
